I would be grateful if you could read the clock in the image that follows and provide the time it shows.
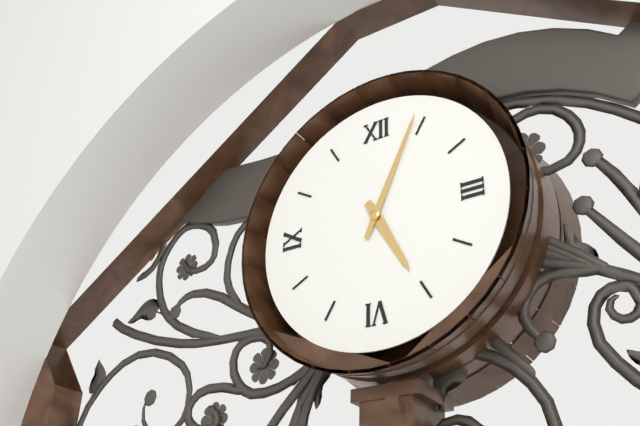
5:04
